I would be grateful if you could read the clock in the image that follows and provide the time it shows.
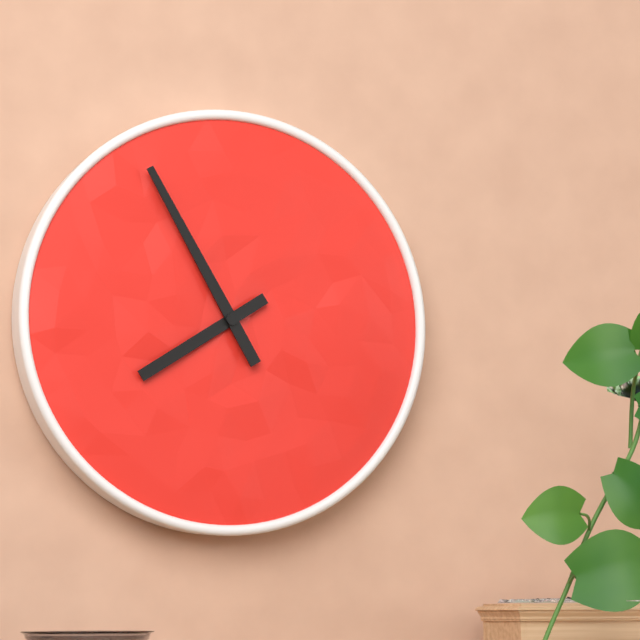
7:55
